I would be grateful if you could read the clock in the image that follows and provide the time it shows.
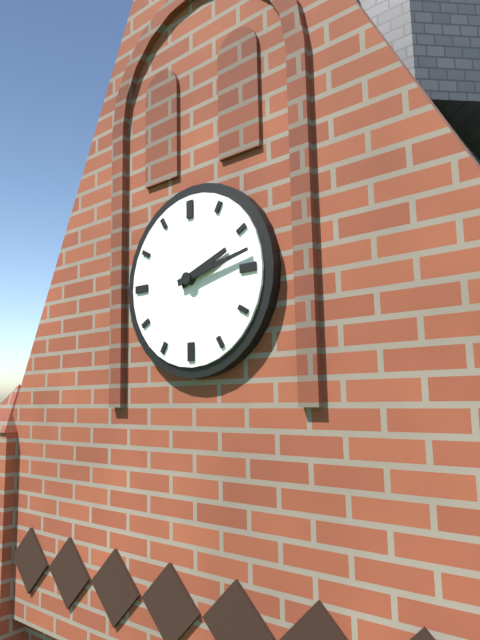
2:13
